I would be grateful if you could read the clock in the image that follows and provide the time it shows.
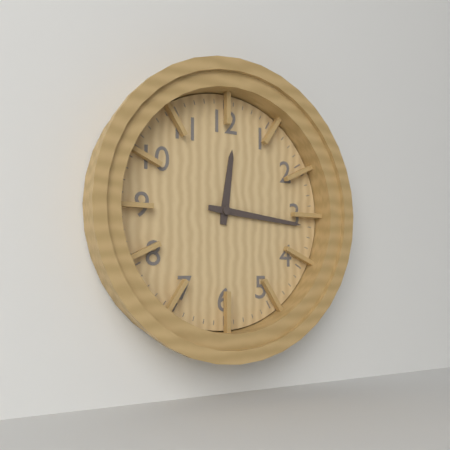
12:16
